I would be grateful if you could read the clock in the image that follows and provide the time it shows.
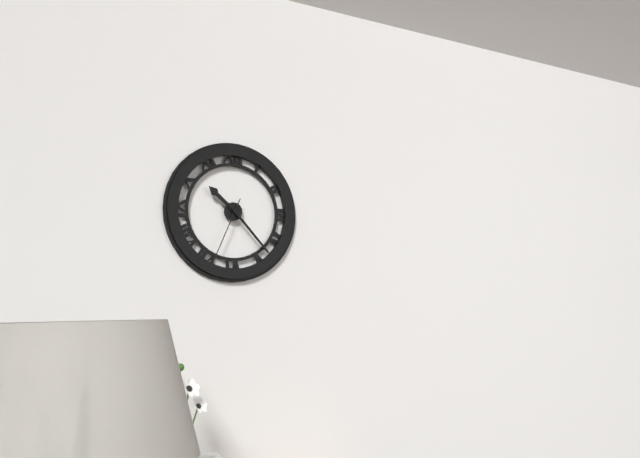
10:23:34
